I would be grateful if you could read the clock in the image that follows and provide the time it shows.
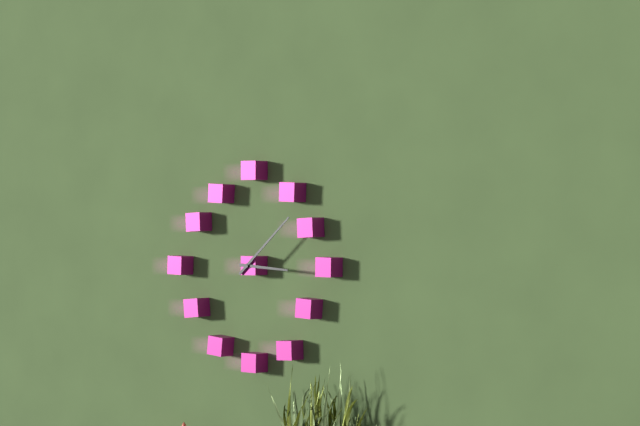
3:08
